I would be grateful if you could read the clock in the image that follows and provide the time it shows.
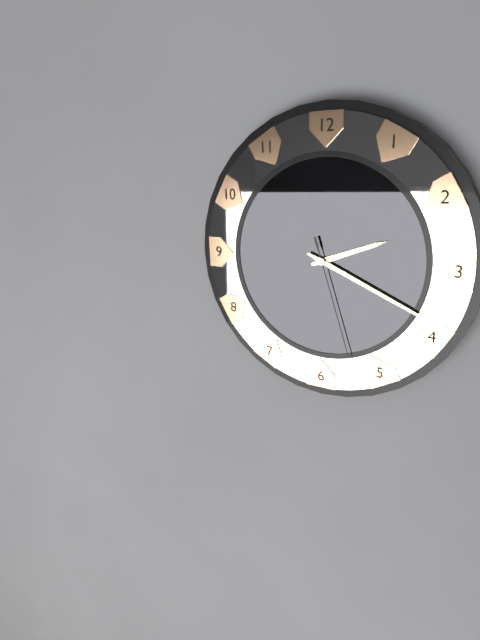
2:19:27
